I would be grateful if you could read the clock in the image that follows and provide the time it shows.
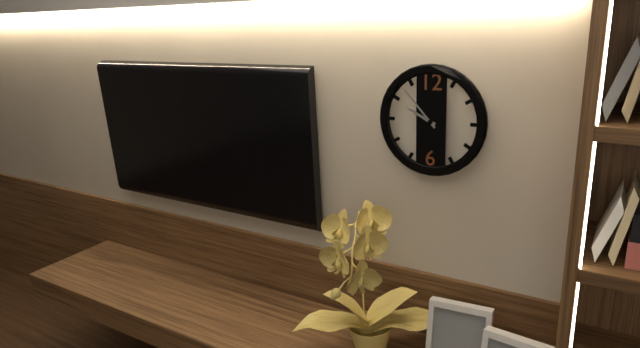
9:53
